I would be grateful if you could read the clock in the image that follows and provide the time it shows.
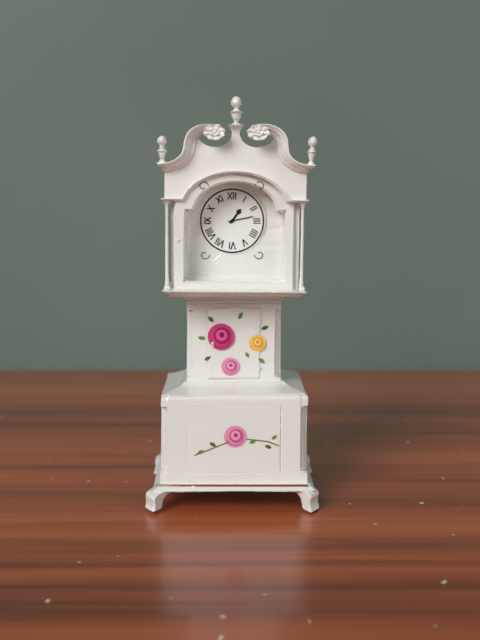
1:13
